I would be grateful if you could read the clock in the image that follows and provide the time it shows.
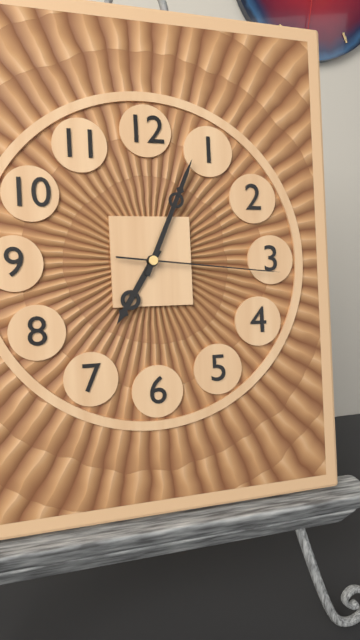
7:04:16
